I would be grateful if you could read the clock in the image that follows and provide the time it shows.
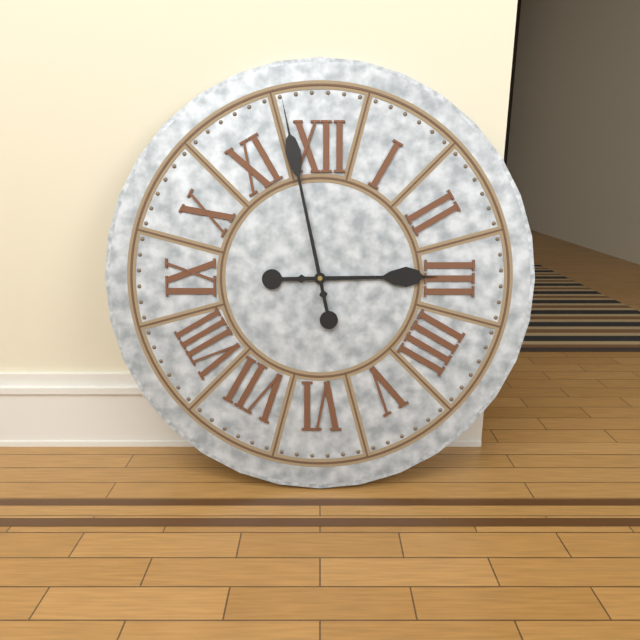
2:58
